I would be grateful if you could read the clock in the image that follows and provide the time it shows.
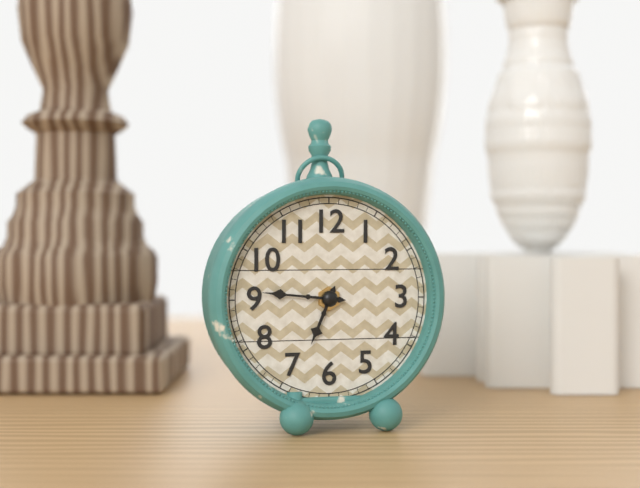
6:46
